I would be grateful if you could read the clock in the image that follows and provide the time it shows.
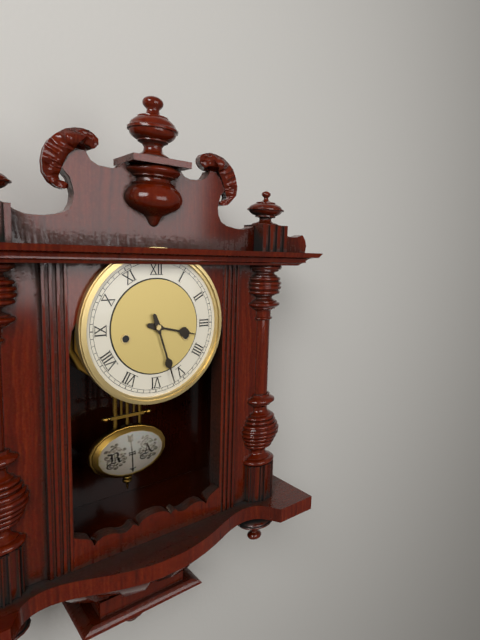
3:27
